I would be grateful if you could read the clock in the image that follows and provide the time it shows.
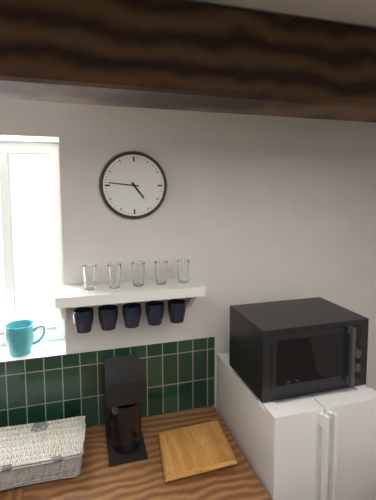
4:46
